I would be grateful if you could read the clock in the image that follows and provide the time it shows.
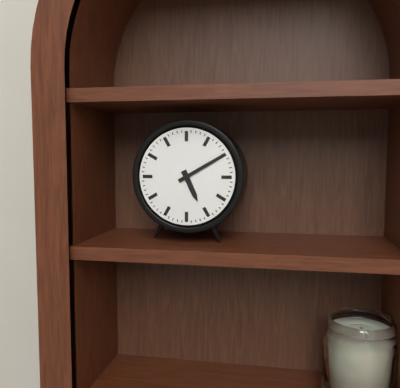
5:10
